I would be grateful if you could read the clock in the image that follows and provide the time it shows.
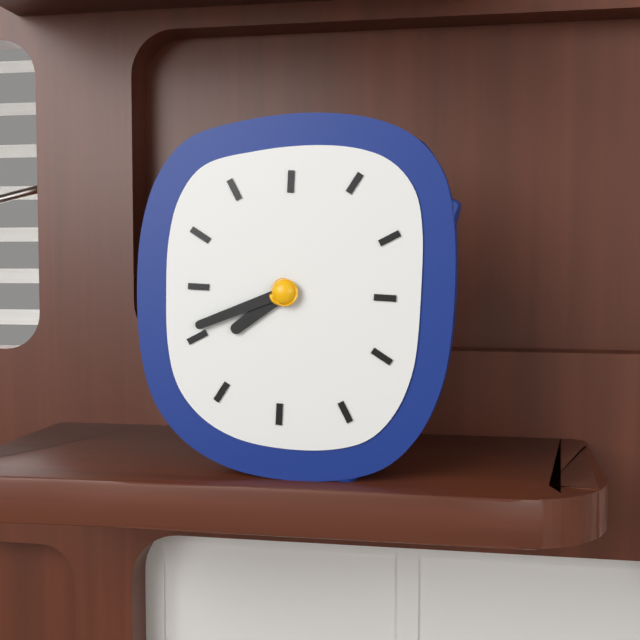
7:41
